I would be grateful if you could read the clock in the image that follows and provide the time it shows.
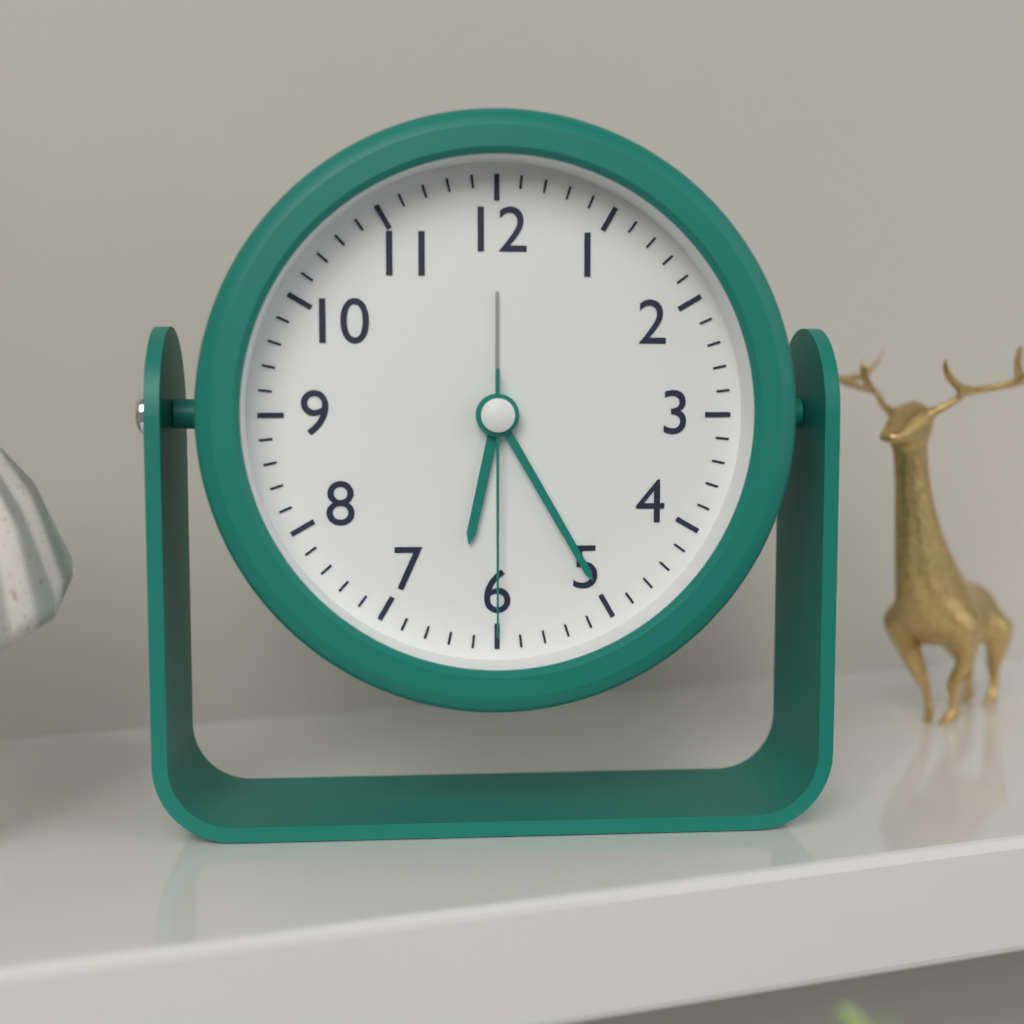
6:25:30
